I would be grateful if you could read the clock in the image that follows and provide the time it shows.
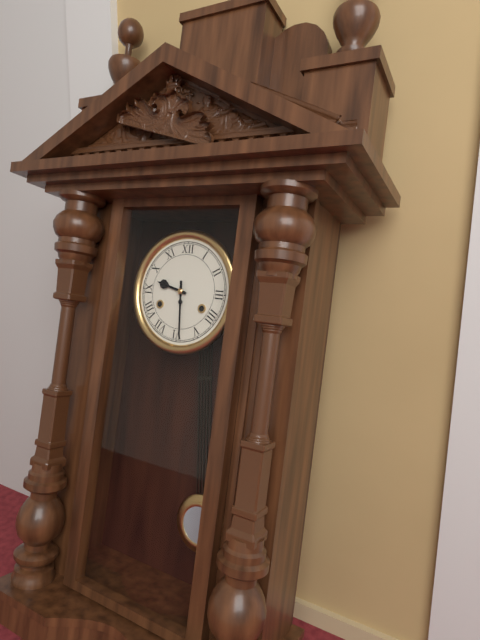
9:29
